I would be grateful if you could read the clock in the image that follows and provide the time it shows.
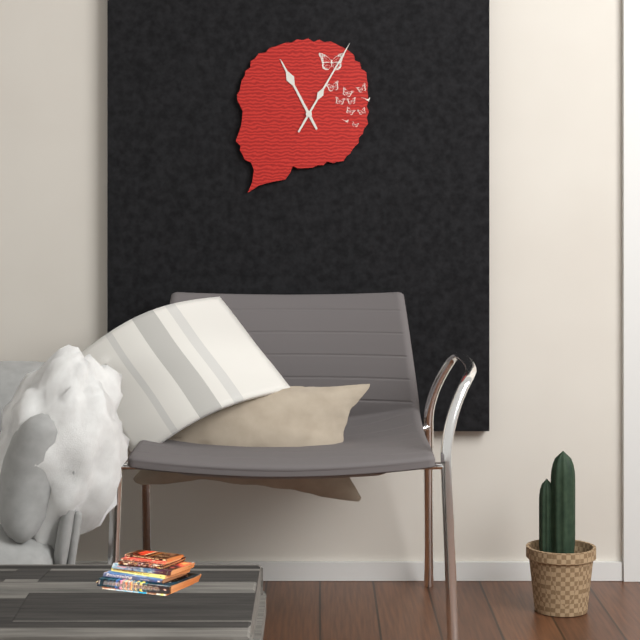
11:05
